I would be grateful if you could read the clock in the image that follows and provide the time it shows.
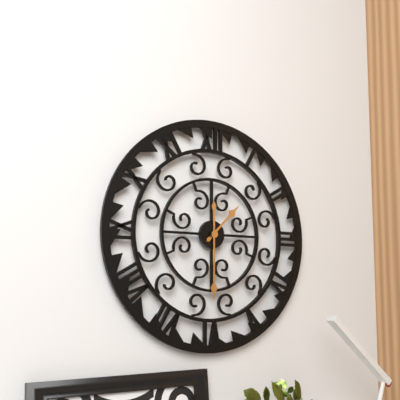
1:30
